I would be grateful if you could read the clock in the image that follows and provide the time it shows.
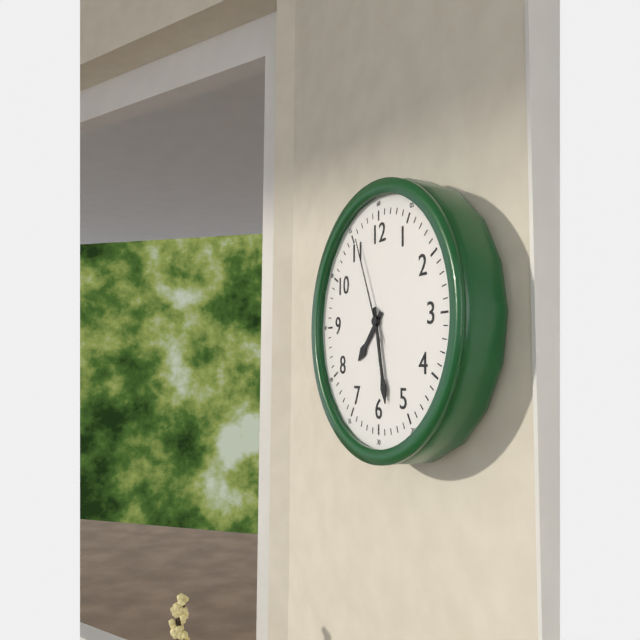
7:28:56
